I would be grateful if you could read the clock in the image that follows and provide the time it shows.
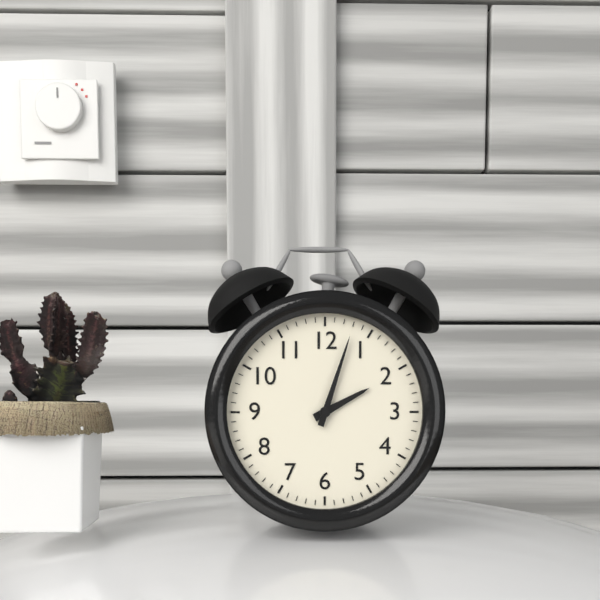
2:03
